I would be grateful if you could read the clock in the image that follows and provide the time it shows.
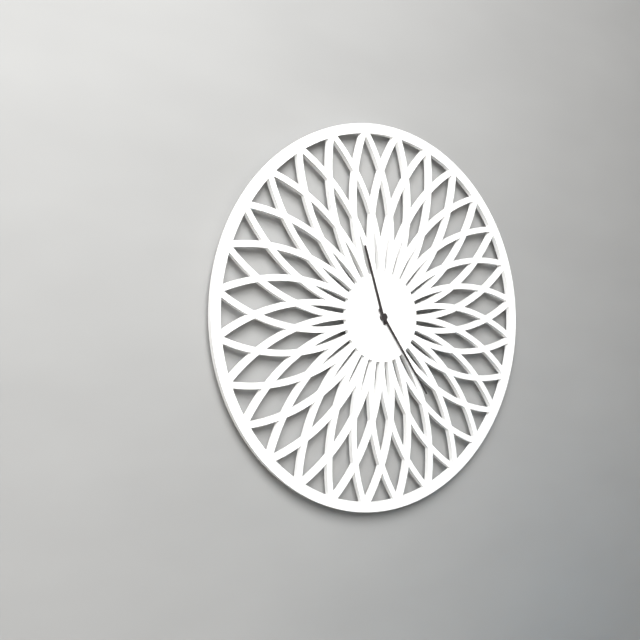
11:24
